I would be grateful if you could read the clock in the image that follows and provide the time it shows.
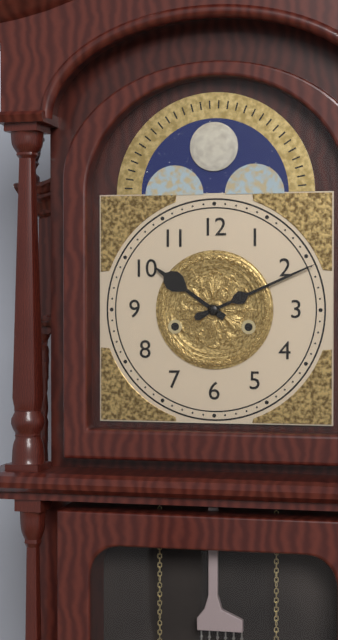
10:11
